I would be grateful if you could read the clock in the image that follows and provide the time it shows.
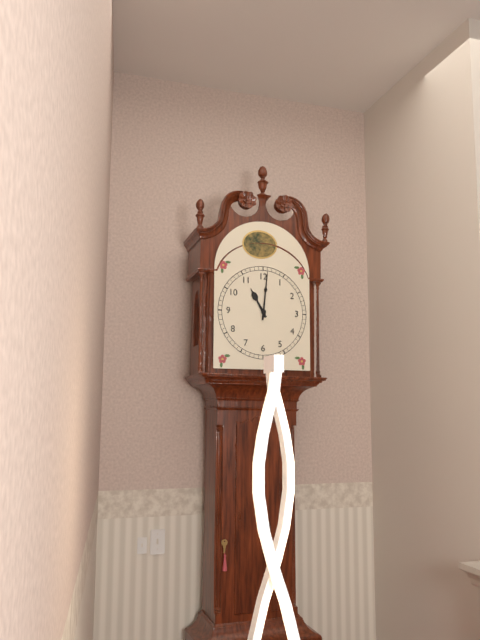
11:01
